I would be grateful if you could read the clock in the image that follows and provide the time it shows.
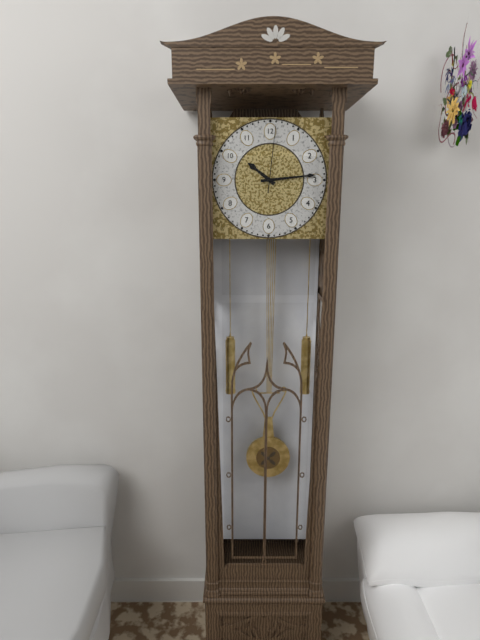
10:14:01
